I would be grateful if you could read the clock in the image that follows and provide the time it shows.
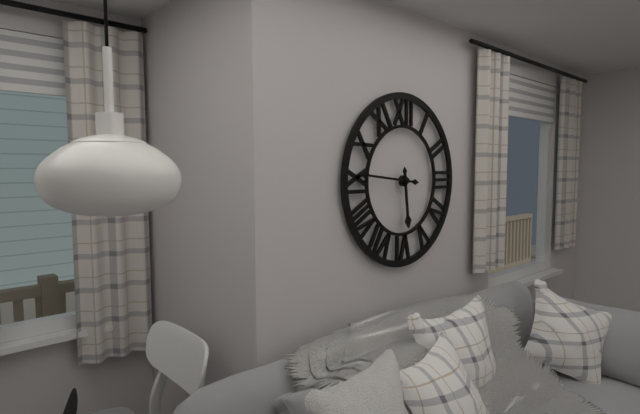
5:46
